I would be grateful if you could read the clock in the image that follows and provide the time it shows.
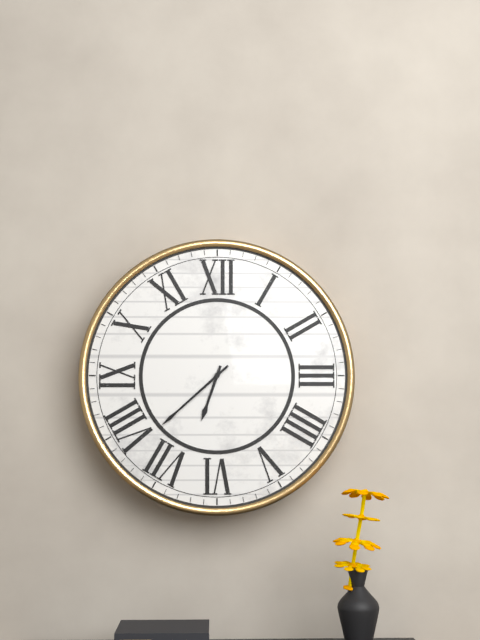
6:38
